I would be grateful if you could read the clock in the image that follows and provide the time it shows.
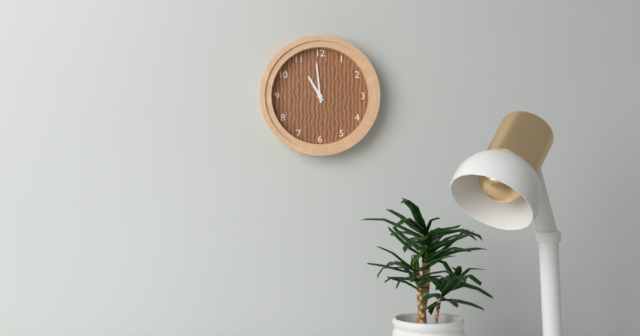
10:59
